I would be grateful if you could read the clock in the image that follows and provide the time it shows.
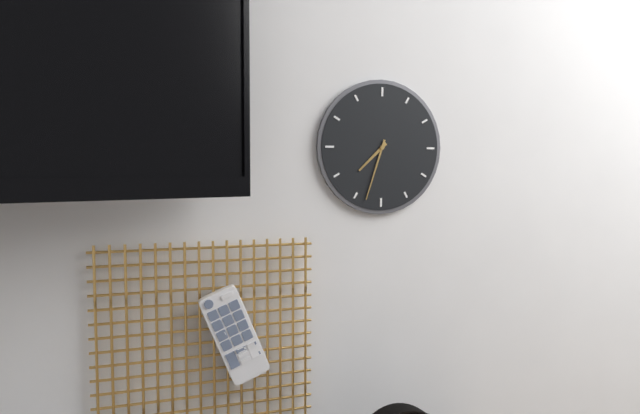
7:33
